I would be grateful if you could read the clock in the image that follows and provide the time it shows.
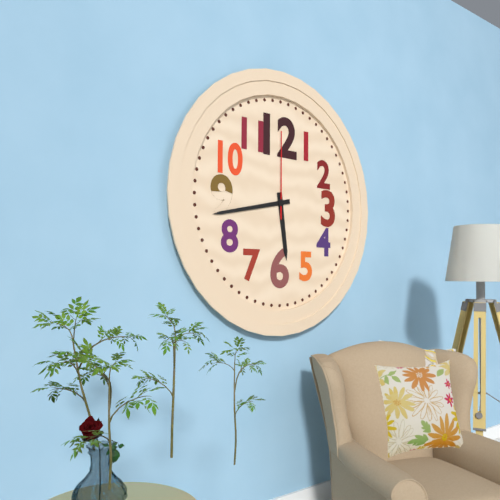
5:43:00
